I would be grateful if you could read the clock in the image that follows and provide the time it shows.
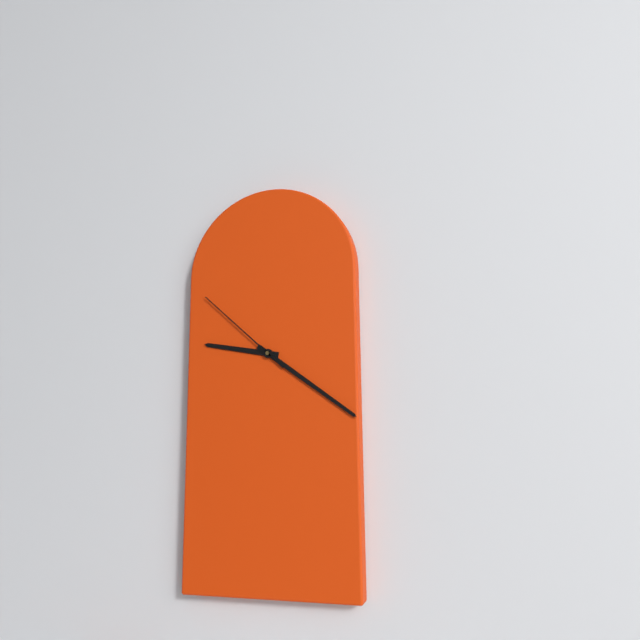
9:21:52
